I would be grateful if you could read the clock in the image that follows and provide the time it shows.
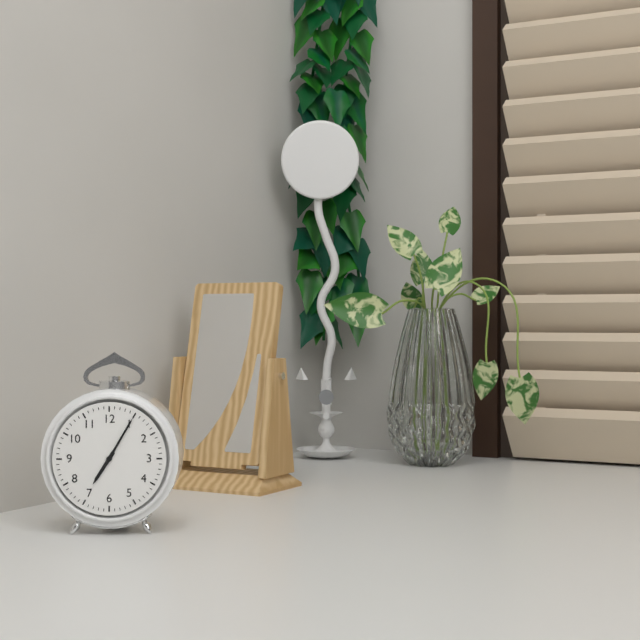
7:05
